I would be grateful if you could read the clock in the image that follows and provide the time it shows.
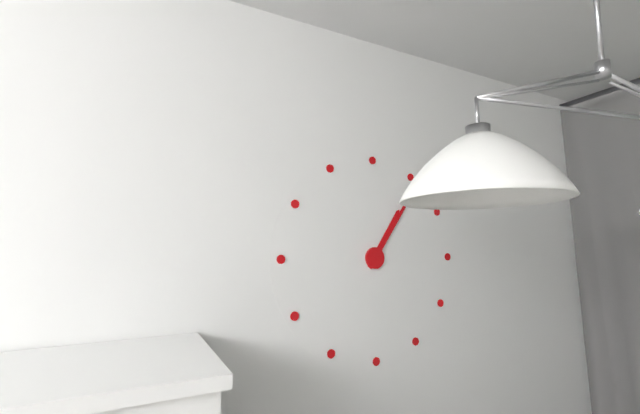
1:06
